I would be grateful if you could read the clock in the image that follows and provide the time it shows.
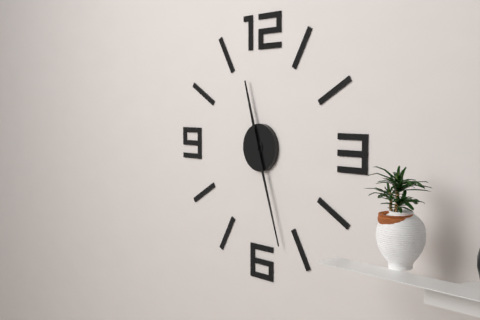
11:27
